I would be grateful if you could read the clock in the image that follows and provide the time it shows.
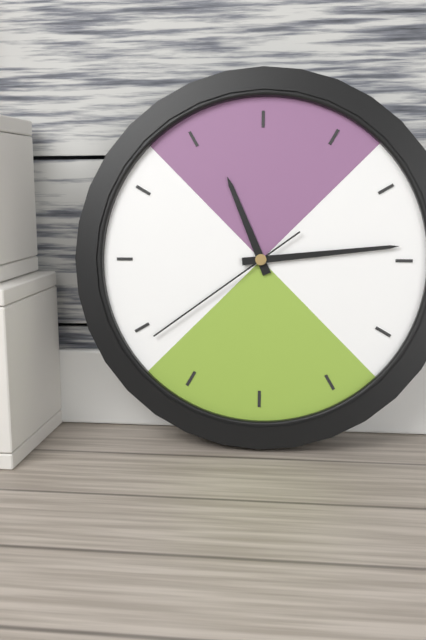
11:14:39
